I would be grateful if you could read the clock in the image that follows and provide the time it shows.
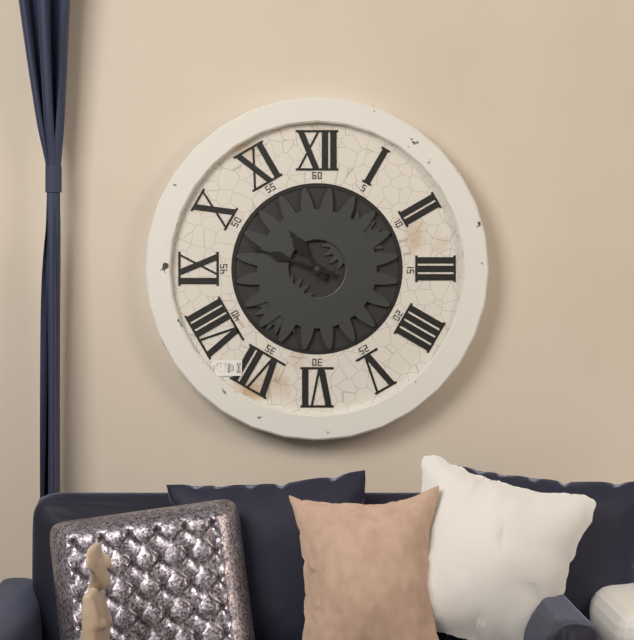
10:48
